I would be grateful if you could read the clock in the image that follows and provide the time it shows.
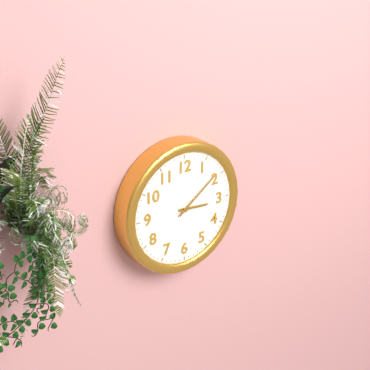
3:09
